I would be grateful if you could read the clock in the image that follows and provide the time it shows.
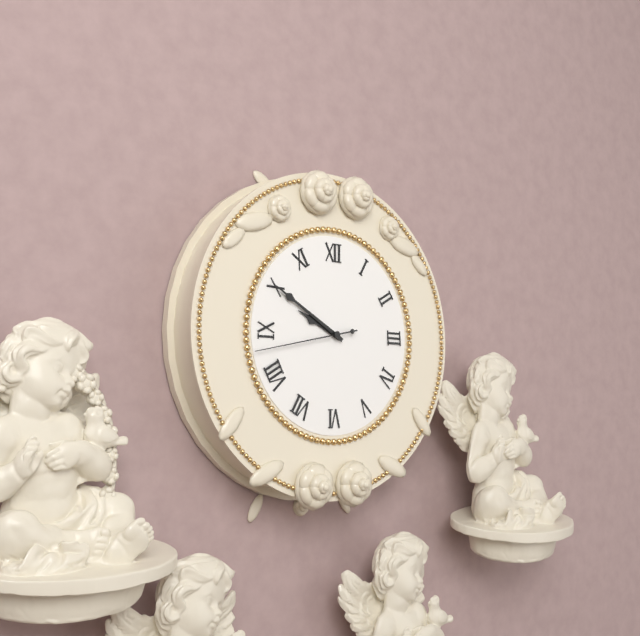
9:50:43
